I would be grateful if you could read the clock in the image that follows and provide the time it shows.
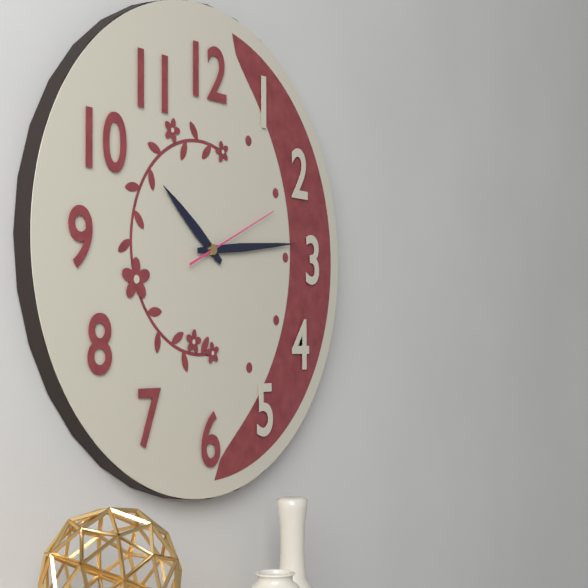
10:14:11
